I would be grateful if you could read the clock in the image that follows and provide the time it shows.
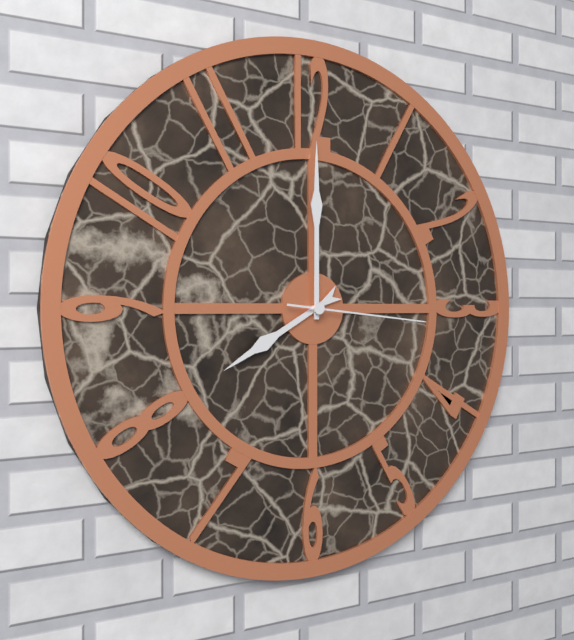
8:00:16
